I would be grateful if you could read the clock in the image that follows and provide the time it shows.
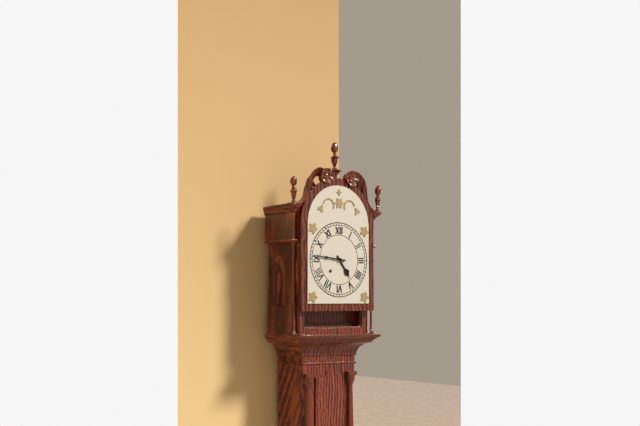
4:46
